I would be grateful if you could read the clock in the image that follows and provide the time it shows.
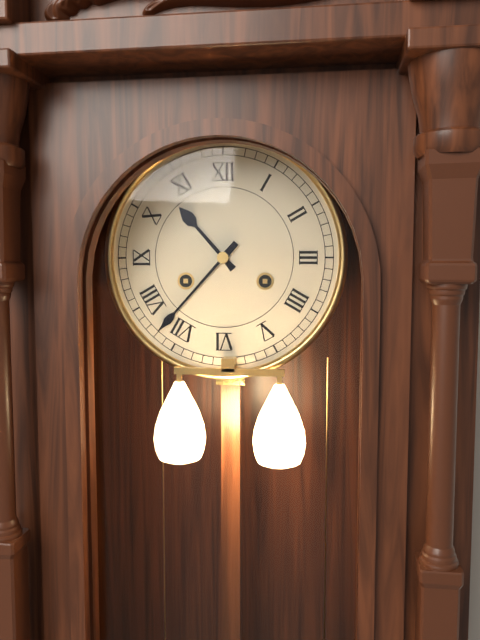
10:37
